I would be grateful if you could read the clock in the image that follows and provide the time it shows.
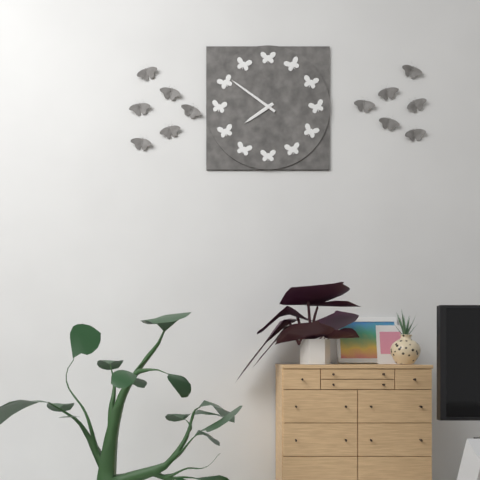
7:51
